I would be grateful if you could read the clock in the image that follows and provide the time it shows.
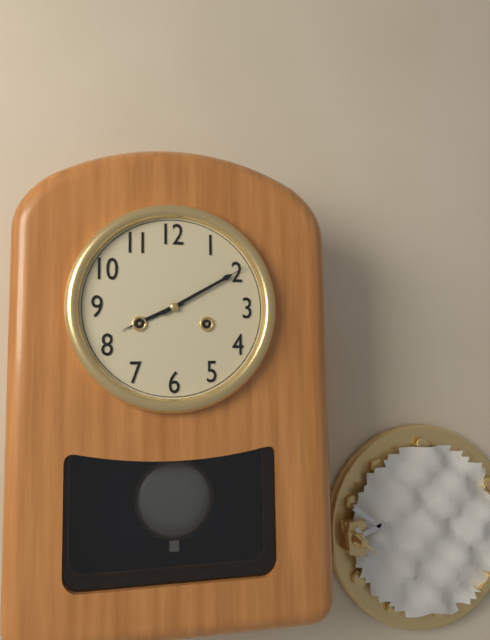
8:10
